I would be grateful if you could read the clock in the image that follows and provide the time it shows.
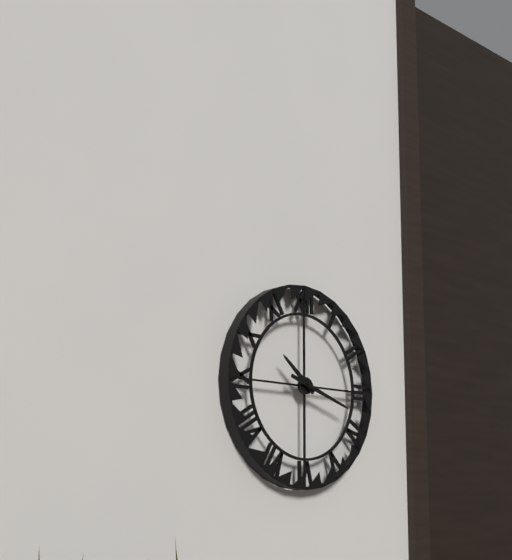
10:18
